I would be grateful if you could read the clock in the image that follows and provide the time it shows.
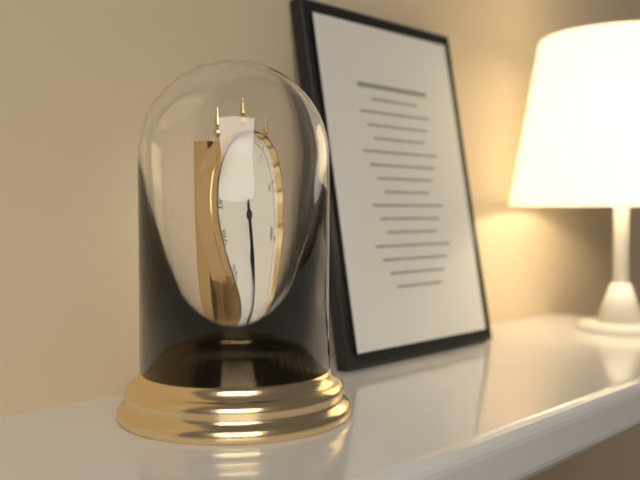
5:27
